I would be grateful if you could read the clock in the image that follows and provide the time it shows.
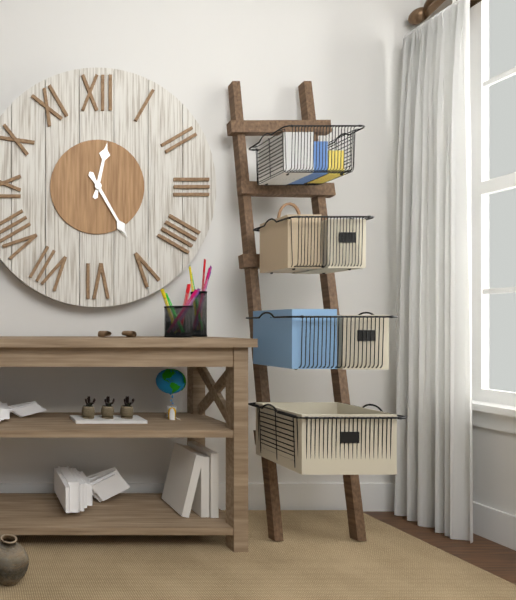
12:25
